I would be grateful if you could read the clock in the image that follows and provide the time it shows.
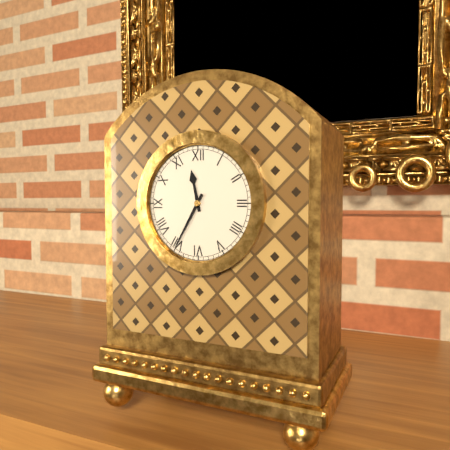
11:35
